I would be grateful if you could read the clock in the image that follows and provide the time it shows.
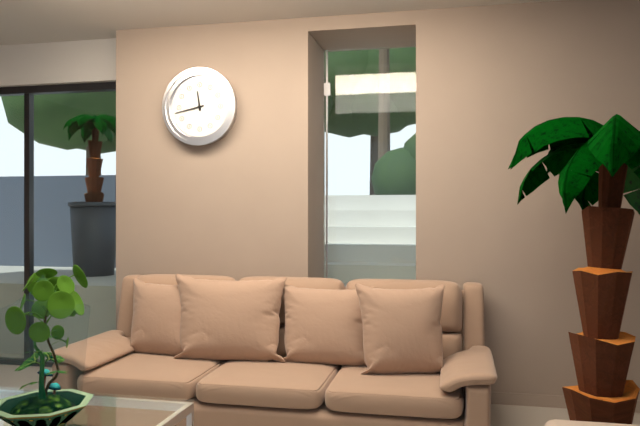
11:43
